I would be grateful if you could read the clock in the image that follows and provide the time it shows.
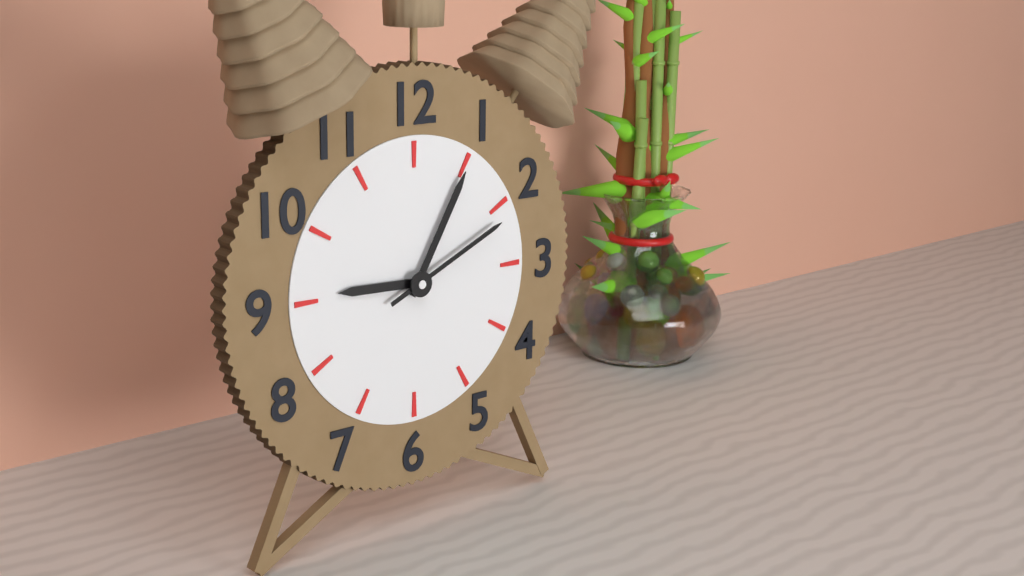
9:05:11
